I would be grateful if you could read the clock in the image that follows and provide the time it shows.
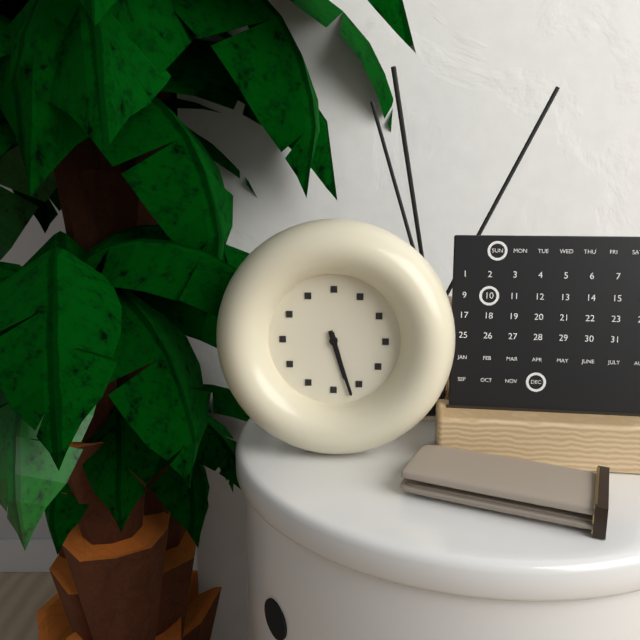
5:27
